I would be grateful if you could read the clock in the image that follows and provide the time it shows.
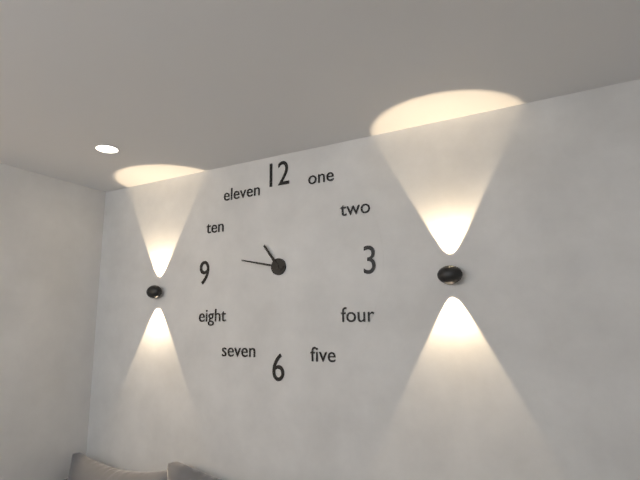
10:47
